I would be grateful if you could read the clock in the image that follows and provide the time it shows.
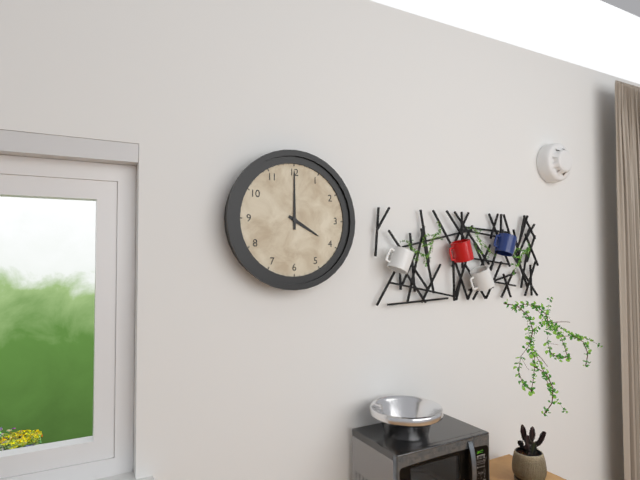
4:00
